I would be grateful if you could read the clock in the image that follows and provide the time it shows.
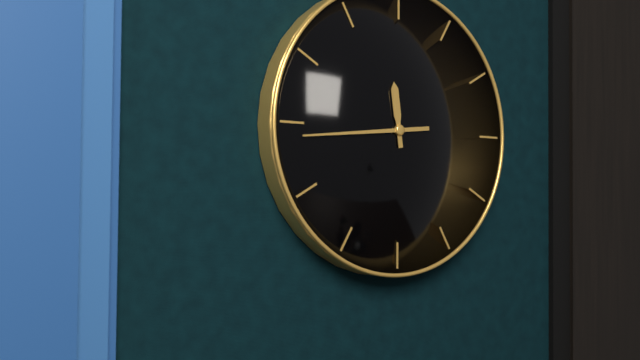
11:44
